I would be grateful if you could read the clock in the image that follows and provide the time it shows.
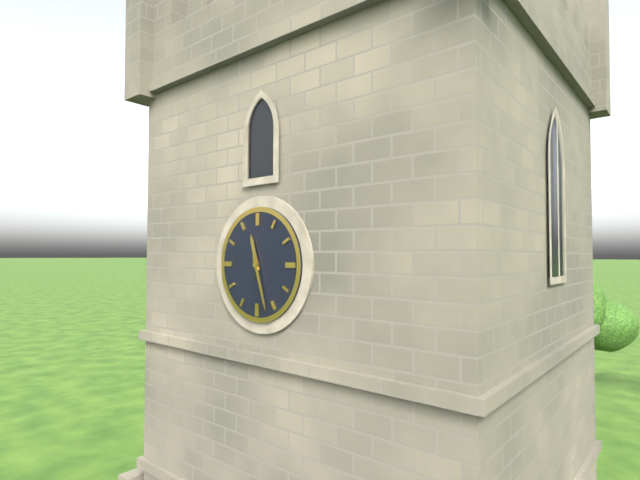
11:27
